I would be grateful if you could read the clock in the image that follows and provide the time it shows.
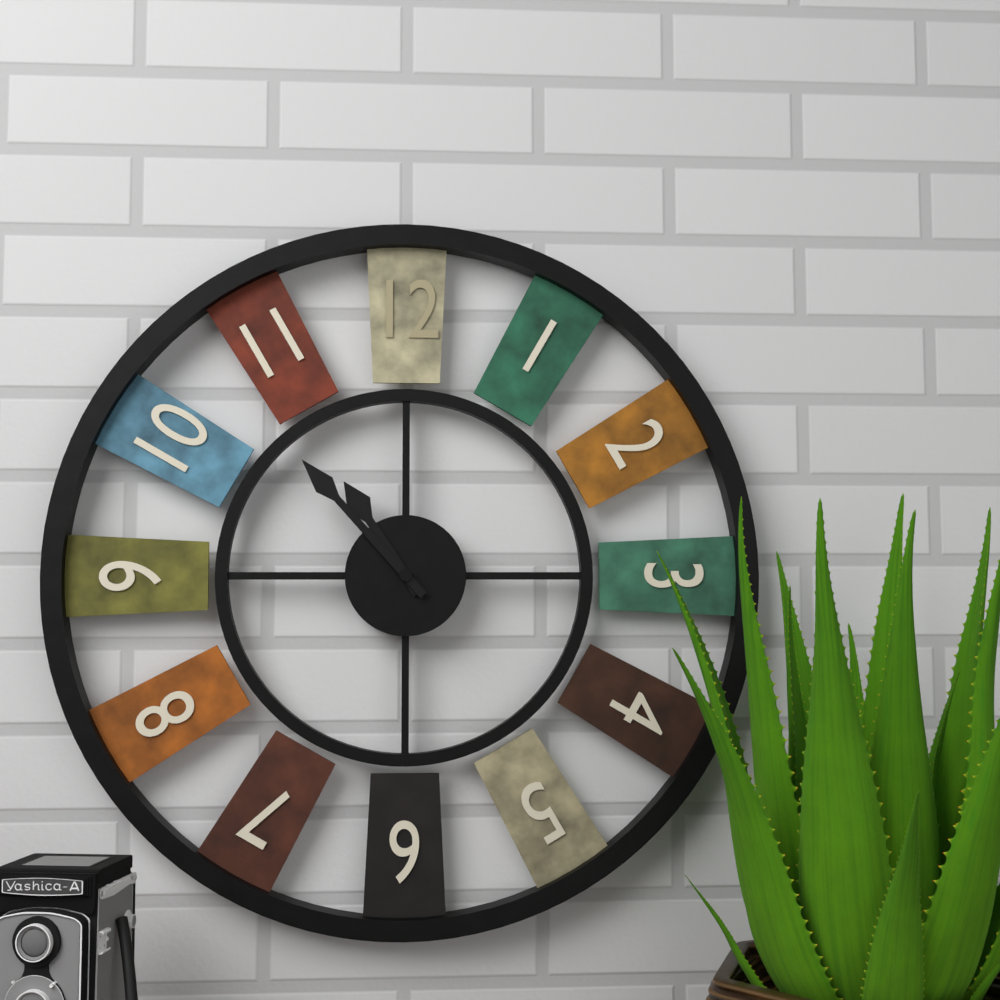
10:53
